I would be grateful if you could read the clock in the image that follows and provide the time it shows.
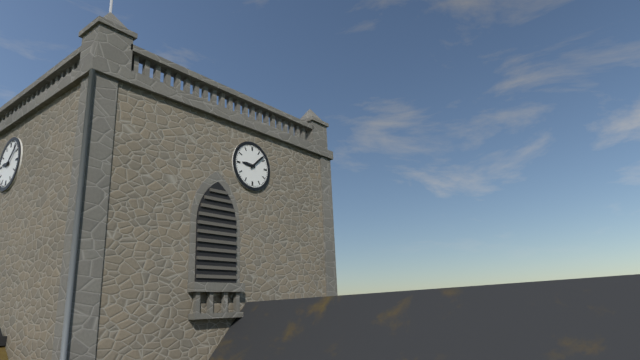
9:08
